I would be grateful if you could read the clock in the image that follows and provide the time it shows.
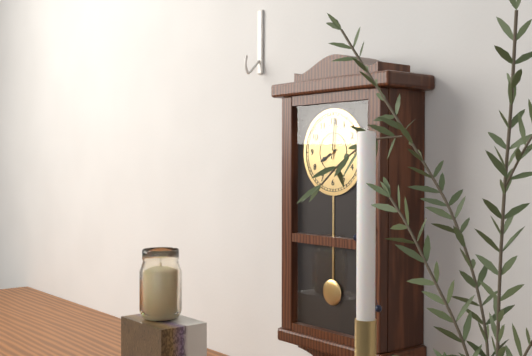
8:01
